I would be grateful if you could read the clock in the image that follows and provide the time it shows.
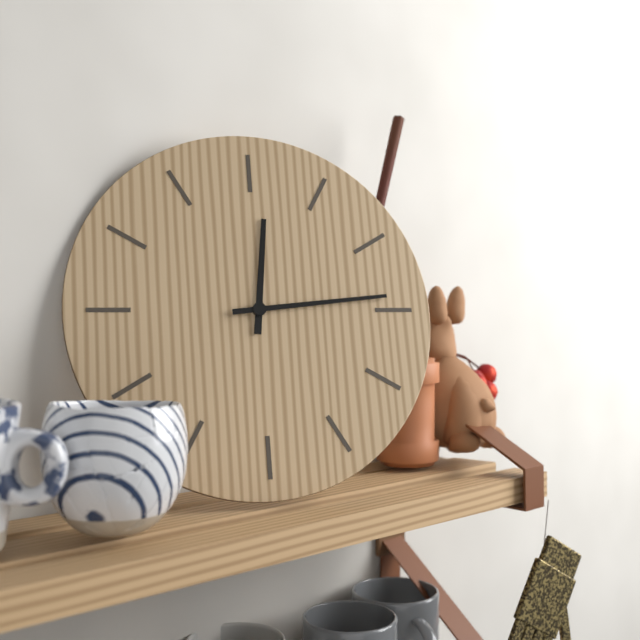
12:14
